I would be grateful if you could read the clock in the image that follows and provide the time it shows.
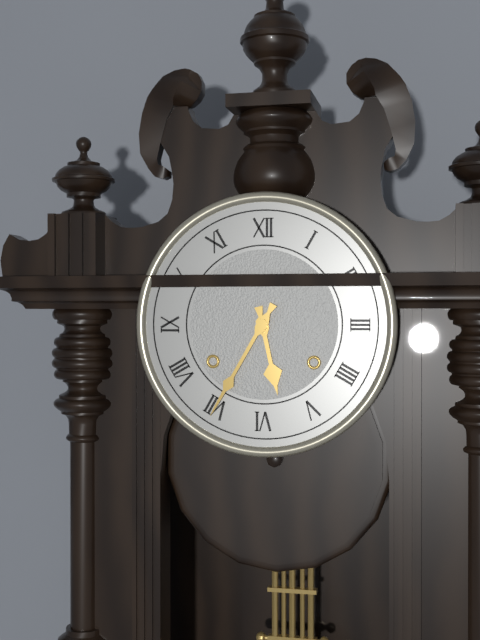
5:35
